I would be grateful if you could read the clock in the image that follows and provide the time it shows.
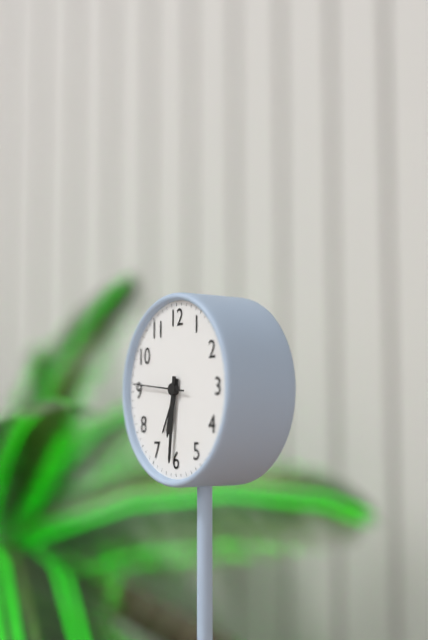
6:31
